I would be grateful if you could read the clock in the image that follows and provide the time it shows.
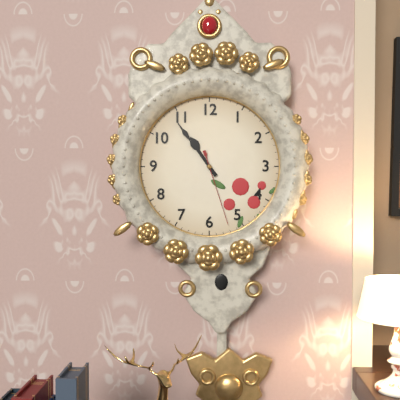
10:54:27
